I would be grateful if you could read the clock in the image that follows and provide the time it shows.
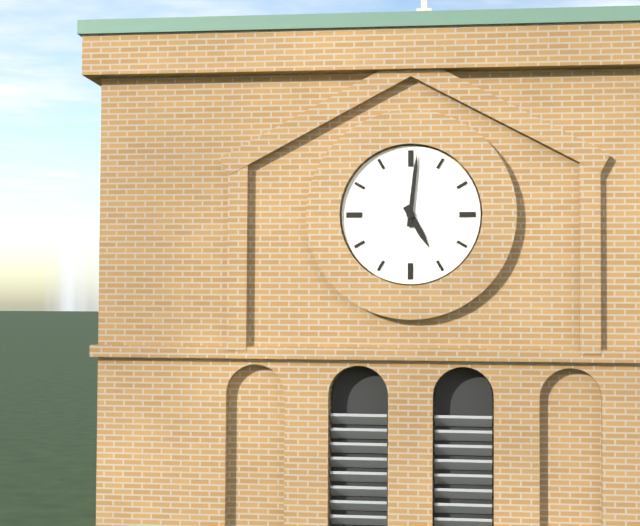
5:01
